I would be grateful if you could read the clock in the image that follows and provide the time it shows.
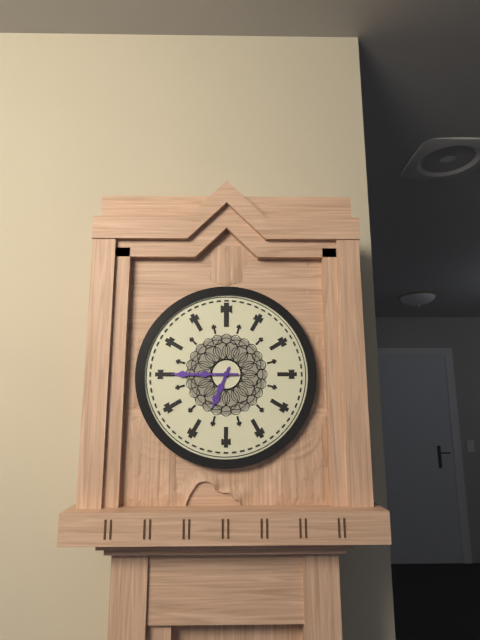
6:45
